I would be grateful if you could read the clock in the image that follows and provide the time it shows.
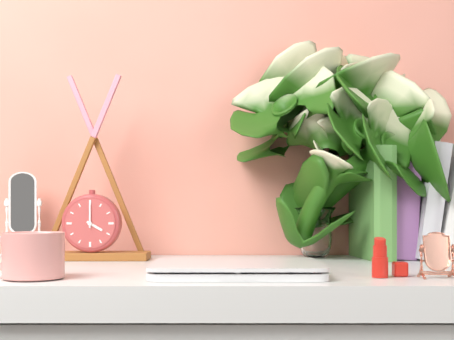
4:00
